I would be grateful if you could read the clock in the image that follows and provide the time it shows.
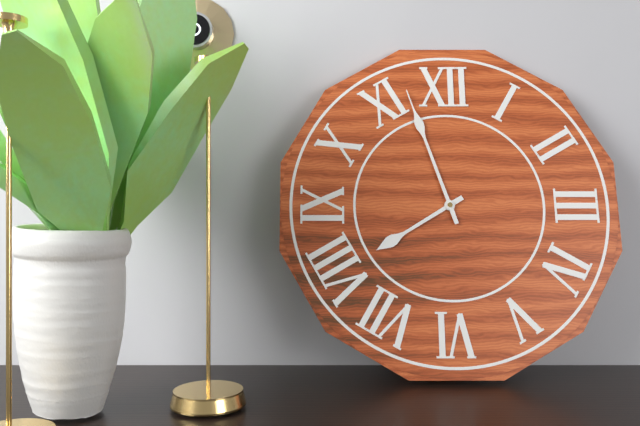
7:57
